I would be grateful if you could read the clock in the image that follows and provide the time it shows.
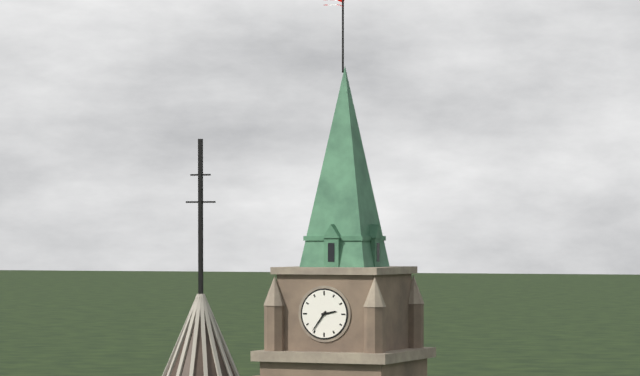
2:36
